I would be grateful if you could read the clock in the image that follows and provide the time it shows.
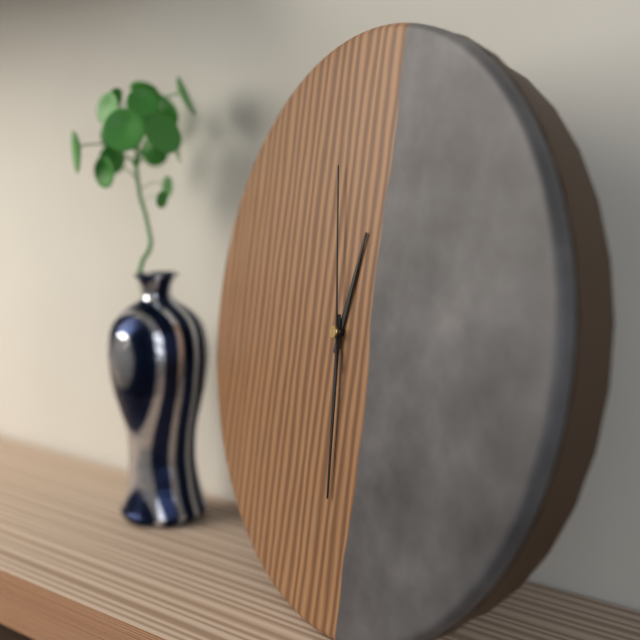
12:29:58
